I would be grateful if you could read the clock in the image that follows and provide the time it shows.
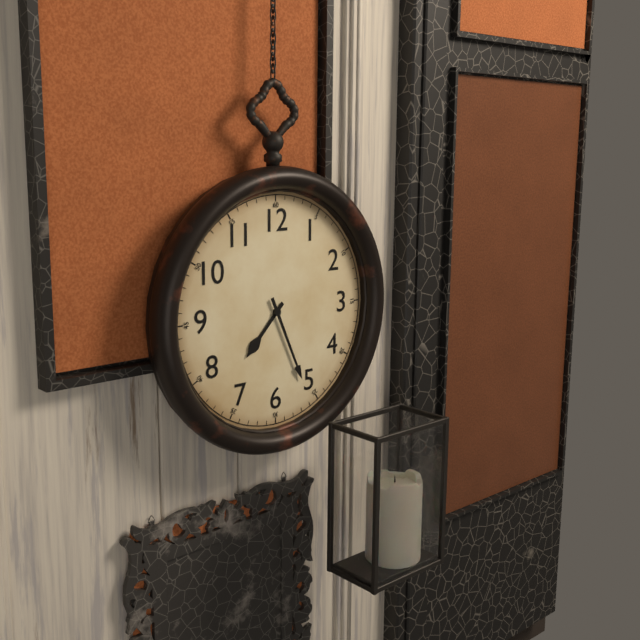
7:26
